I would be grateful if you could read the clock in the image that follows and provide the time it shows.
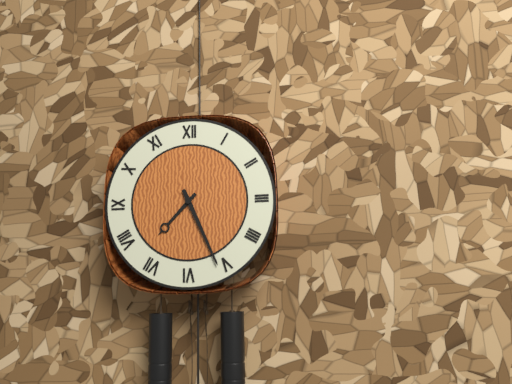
7:26
